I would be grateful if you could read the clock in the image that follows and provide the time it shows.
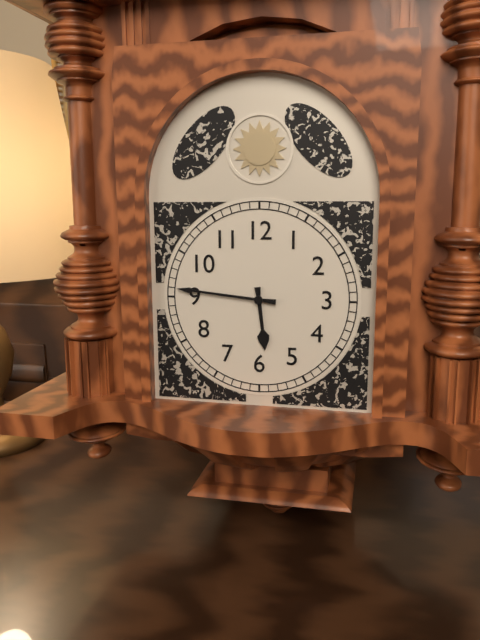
5:46
